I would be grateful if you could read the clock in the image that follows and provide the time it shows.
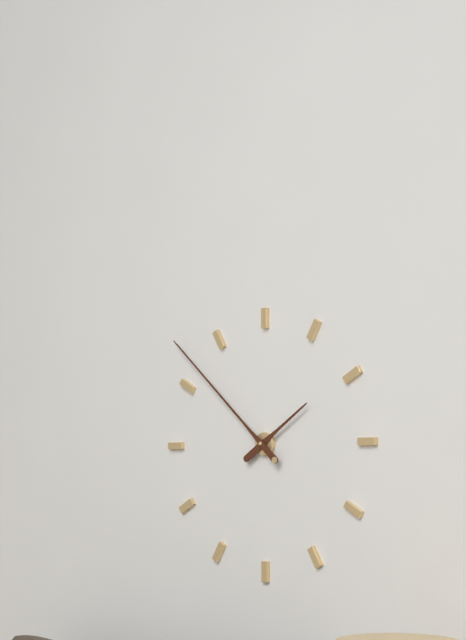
1:52
